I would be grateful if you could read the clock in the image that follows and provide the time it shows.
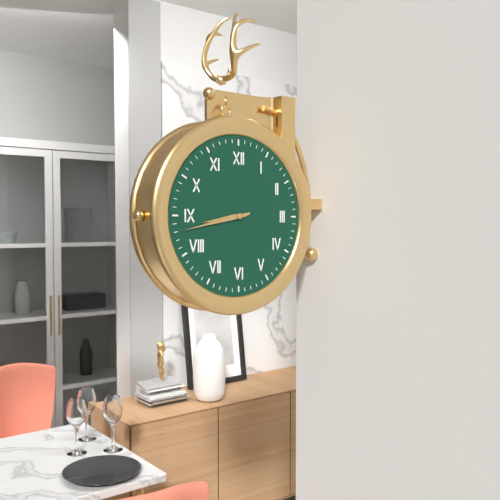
8:43
